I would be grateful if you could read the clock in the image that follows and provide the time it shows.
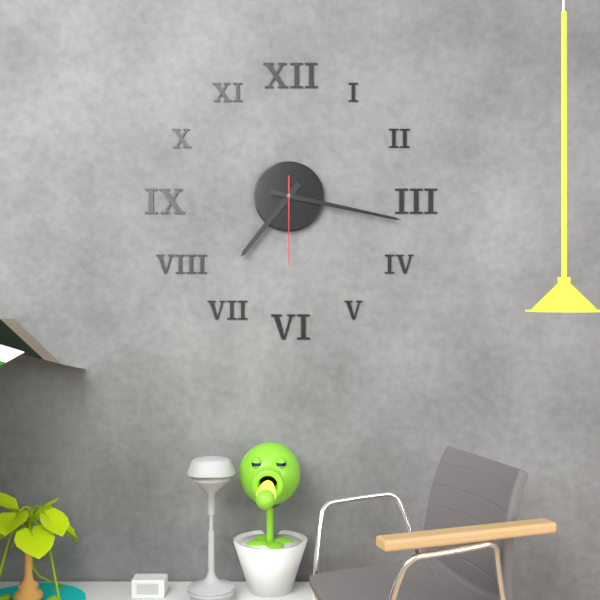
7:17:30
